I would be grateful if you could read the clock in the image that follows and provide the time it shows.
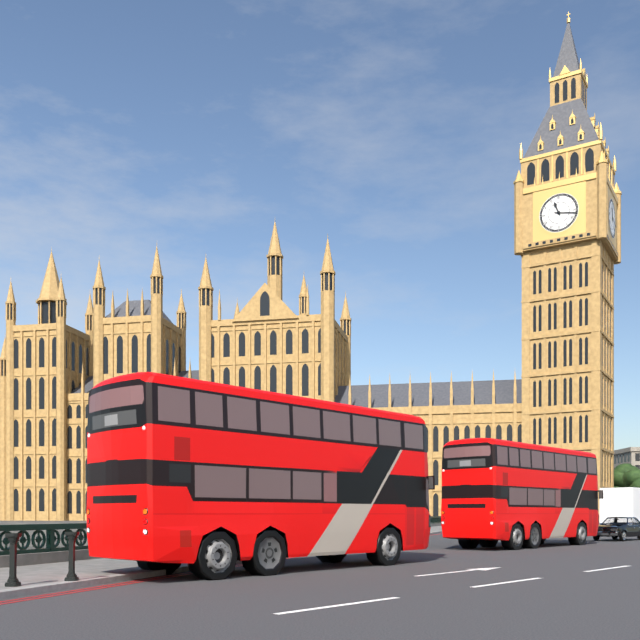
11:17
